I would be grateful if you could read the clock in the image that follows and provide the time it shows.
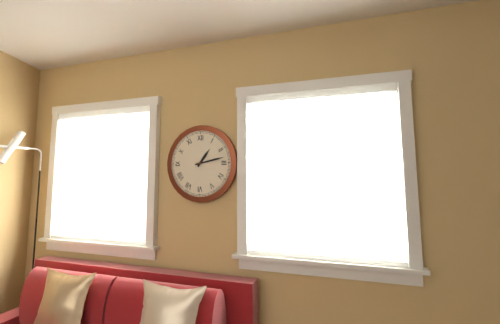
1:13
